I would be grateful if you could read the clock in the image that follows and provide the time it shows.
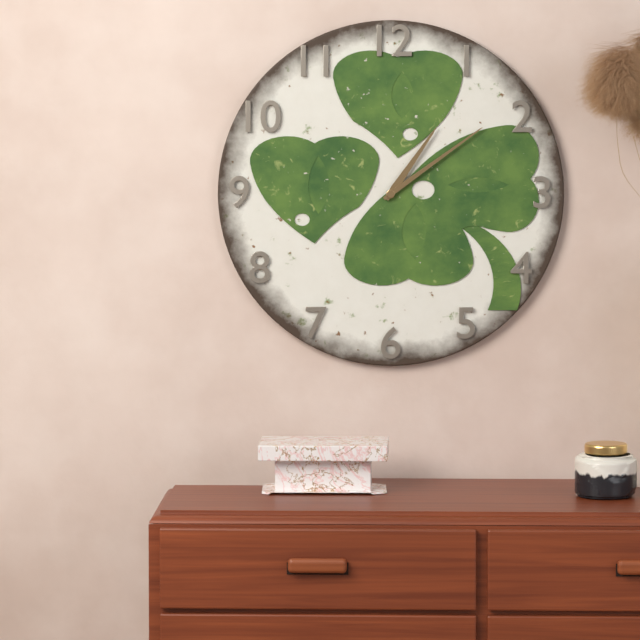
1:09
